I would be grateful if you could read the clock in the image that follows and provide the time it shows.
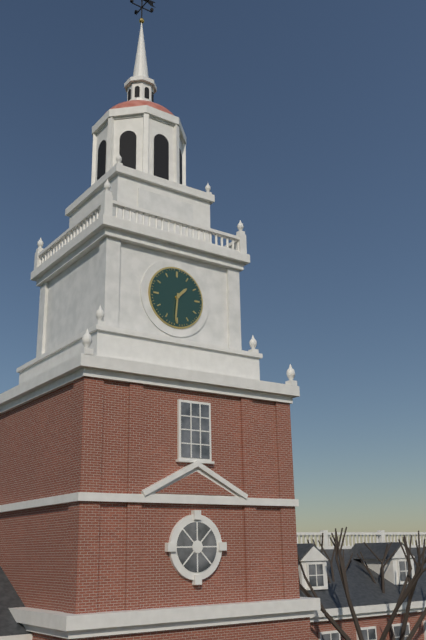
1:31
